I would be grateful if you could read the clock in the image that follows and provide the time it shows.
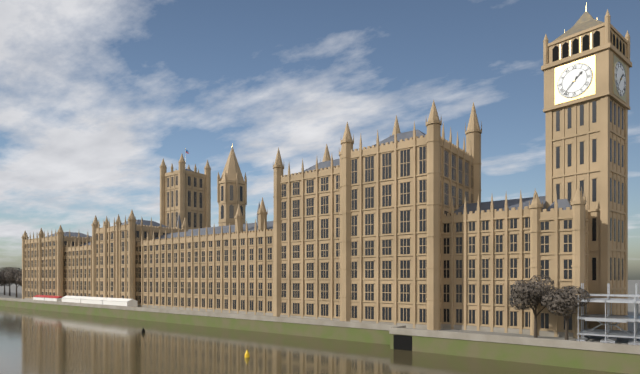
1:37
